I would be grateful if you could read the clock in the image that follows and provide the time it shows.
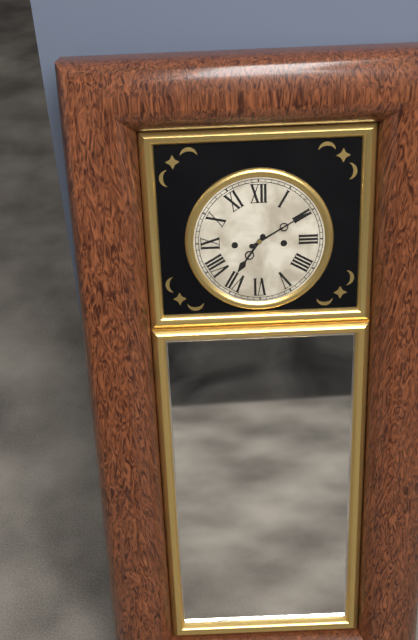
7:10
